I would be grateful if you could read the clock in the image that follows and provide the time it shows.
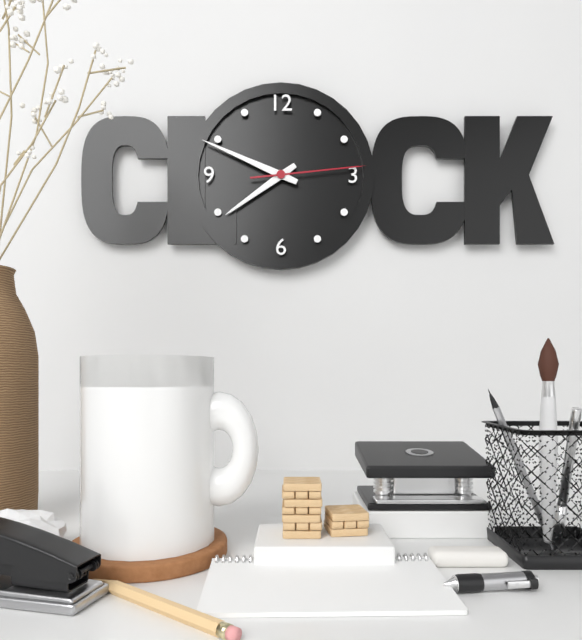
7:49:14
